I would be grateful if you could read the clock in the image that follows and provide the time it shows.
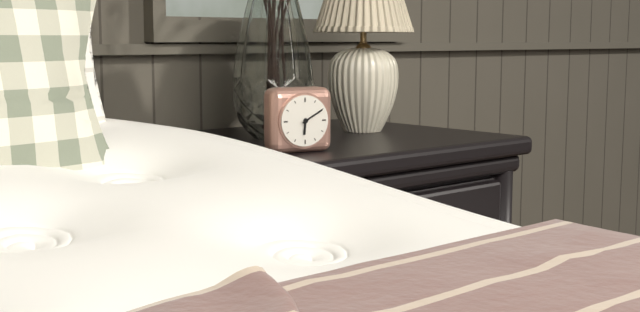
6:10
